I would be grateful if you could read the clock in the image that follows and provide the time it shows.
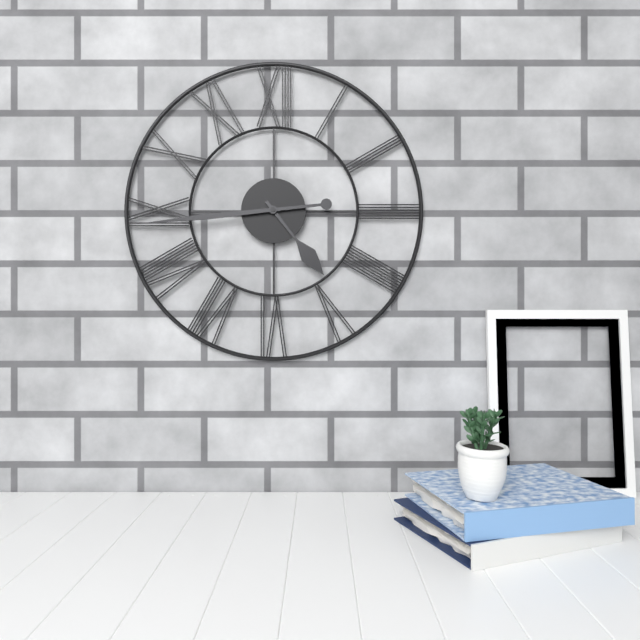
4:44
